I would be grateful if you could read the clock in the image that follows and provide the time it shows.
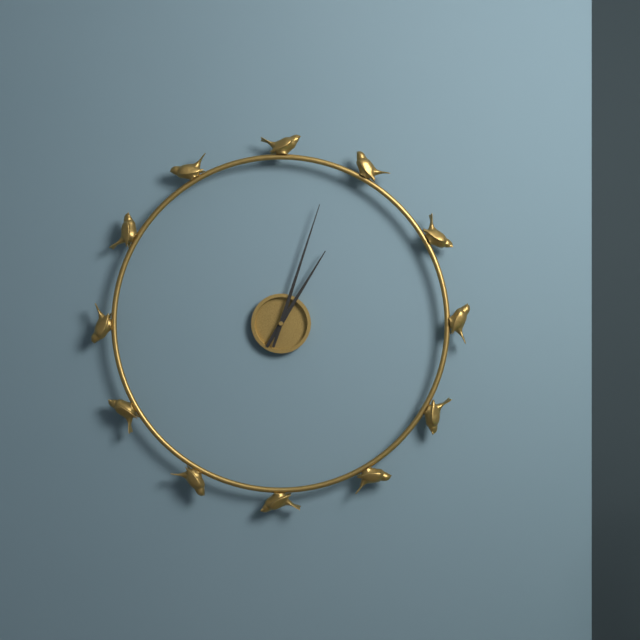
1:03
